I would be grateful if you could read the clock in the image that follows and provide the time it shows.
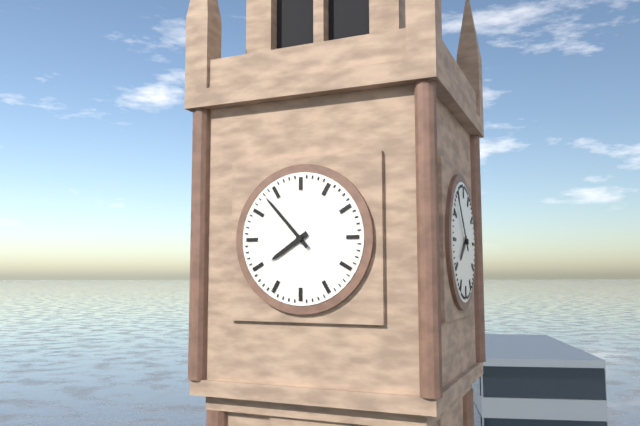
7:53
